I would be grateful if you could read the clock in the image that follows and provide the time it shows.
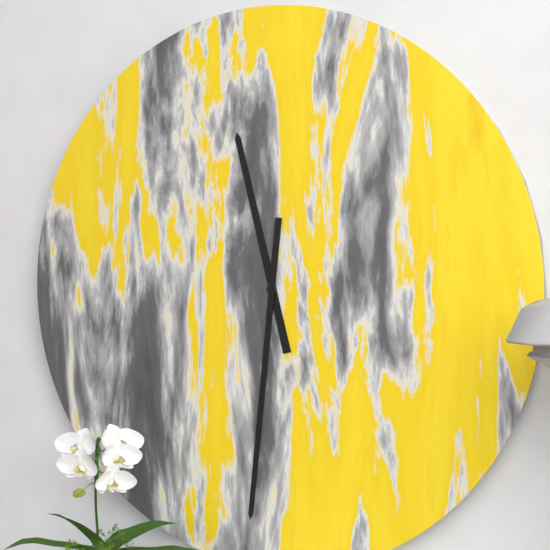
11:31
